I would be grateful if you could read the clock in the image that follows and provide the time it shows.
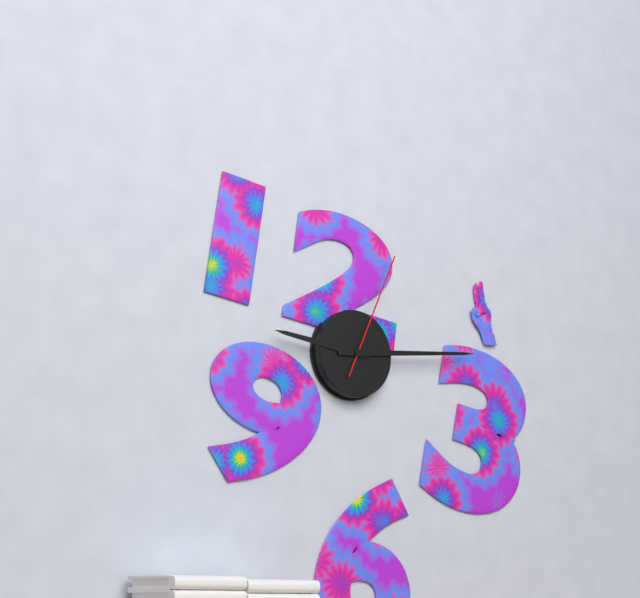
9:14:04
